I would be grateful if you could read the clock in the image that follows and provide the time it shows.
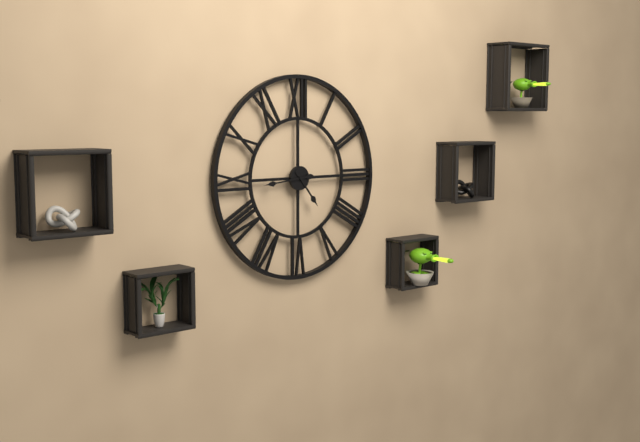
4:44
